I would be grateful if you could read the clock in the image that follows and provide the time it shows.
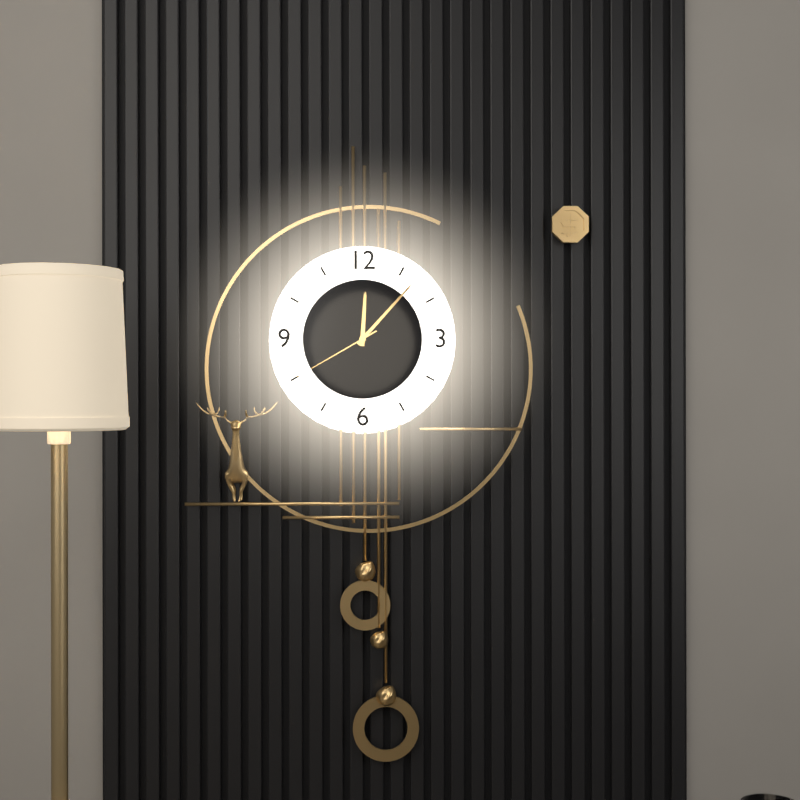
12:07:40
